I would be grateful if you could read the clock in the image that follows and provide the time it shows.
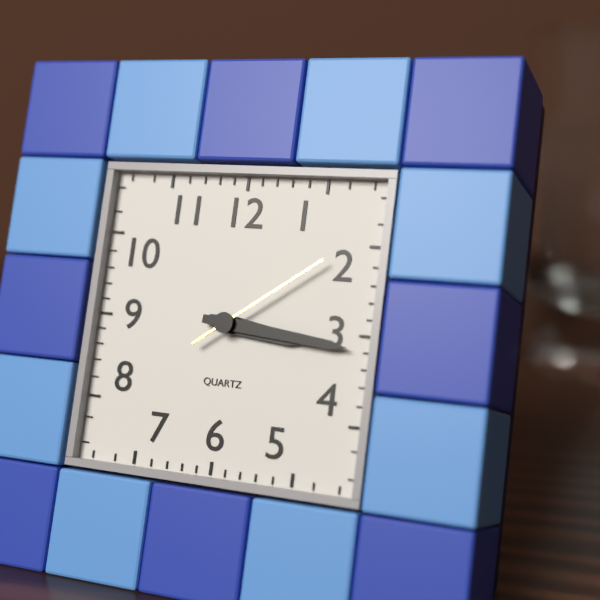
3:16:09
